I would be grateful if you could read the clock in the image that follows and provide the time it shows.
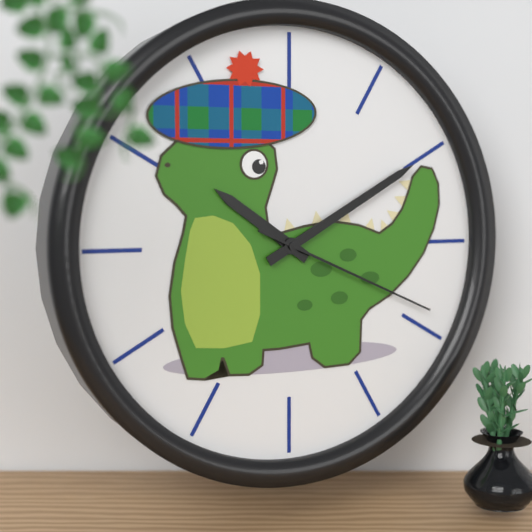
10:10:19
